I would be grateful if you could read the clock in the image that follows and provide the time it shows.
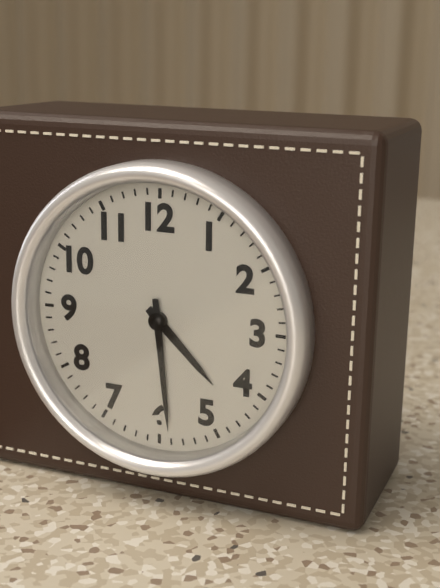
4:29
